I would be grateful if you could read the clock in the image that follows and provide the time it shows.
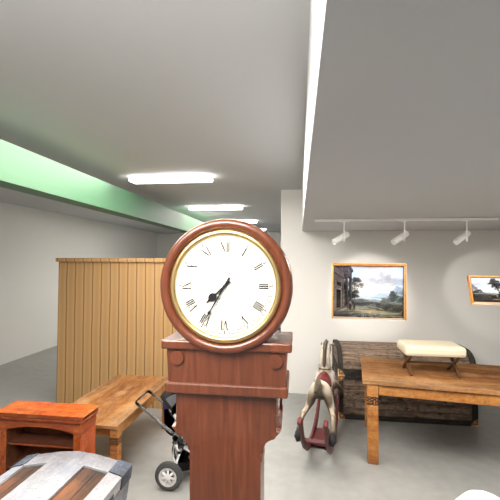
7:35
